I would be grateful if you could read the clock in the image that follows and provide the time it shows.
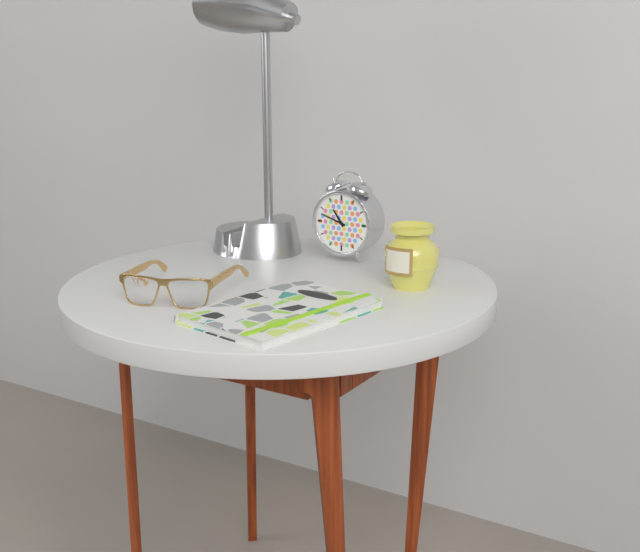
10:48
